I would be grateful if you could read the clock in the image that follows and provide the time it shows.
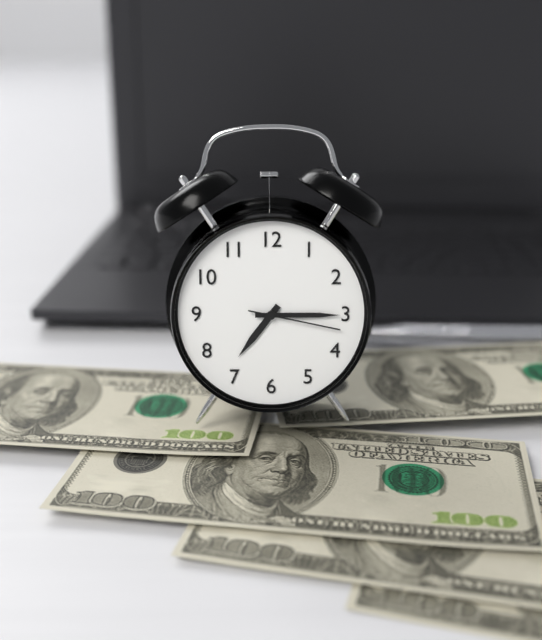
7:15:17
